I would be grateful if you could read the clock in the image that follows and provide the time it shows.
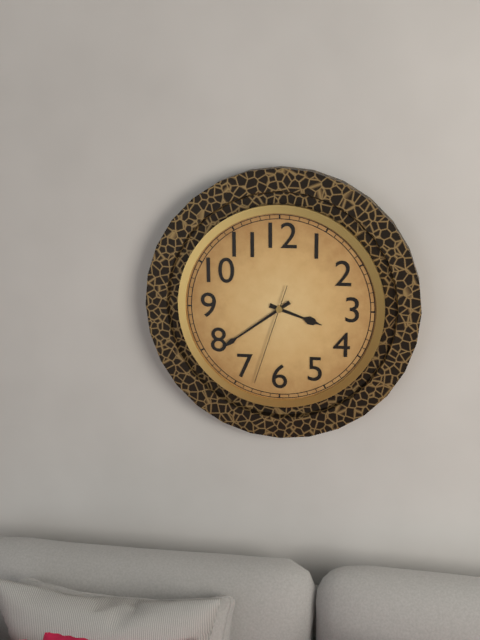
3:39:33
